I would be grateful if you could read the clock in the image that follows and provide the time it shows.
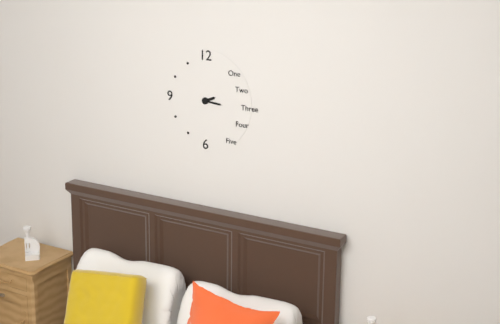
2:16
